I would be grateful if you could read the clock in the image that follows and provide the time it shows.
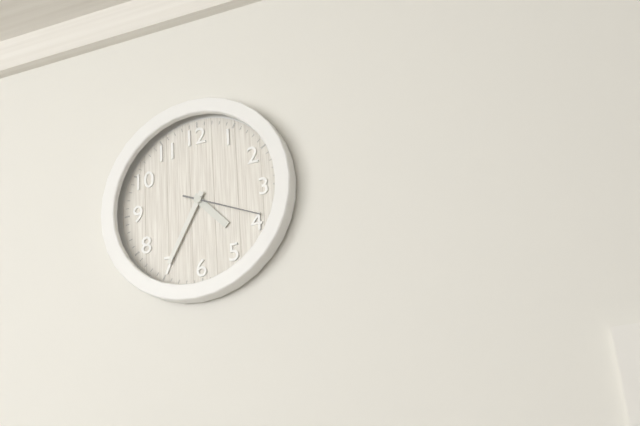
4:35:19
